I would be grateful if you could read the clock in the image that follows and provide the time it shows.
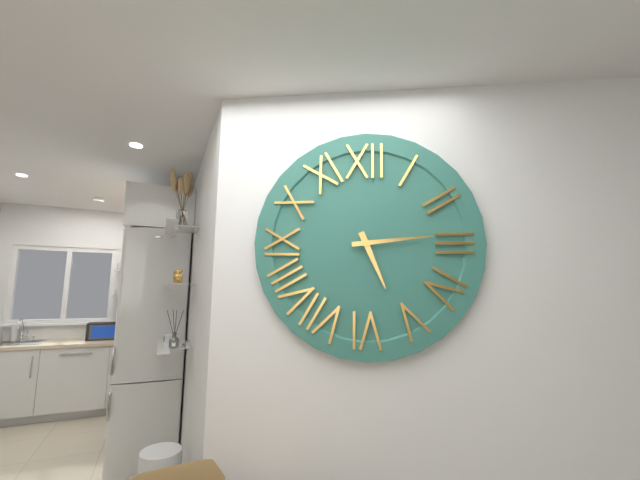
5:14
